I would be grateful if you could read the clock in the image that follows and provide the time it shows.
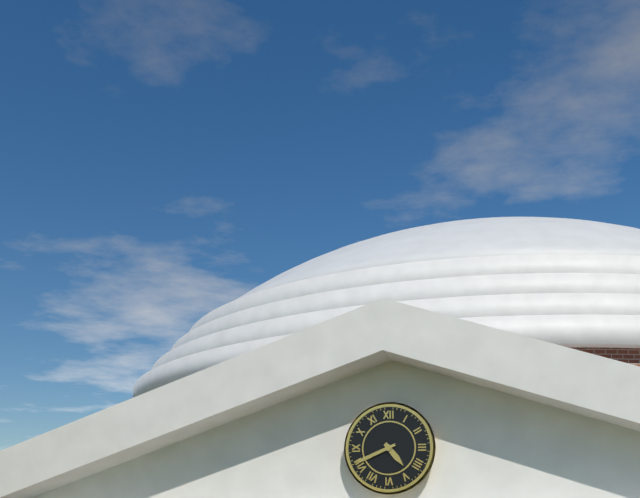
4:41
